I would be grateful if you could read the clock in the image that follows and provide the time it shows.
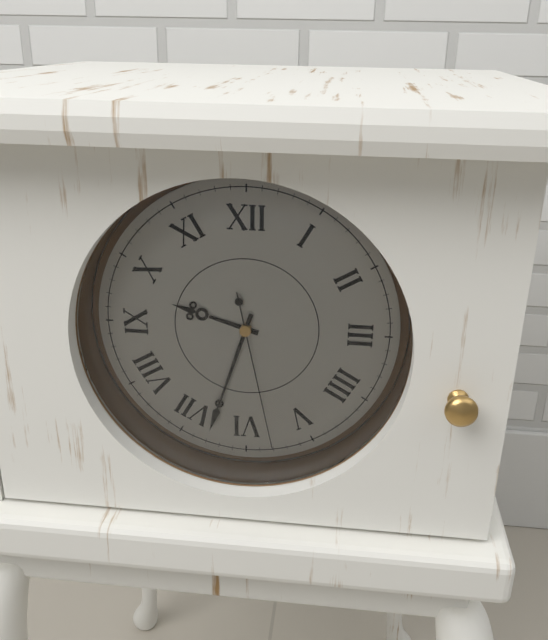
9:33:28
